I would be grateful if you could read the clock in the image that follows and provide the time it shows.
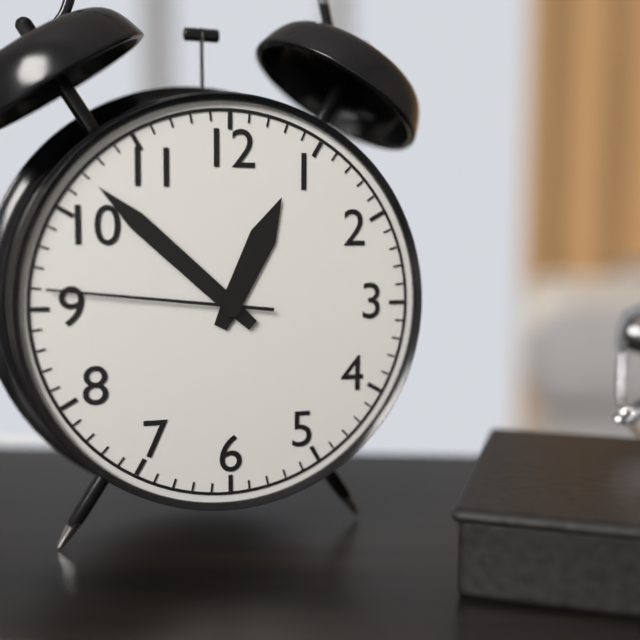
12:52:46
